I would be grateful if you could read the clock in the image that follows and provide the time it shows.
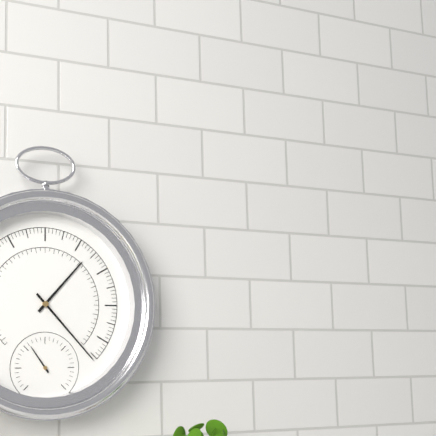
1:23
